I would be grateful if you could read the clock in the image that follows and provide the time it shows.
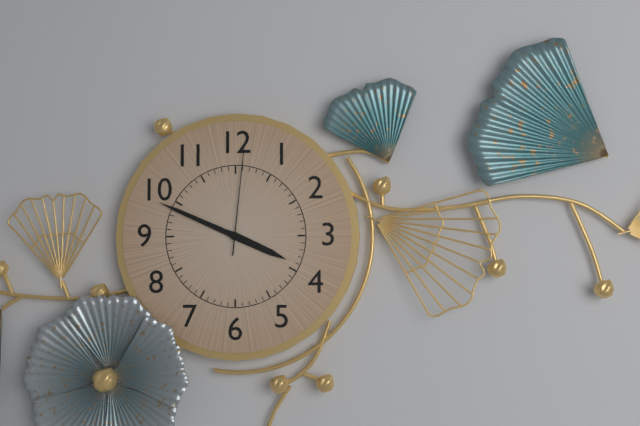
3:49:01
